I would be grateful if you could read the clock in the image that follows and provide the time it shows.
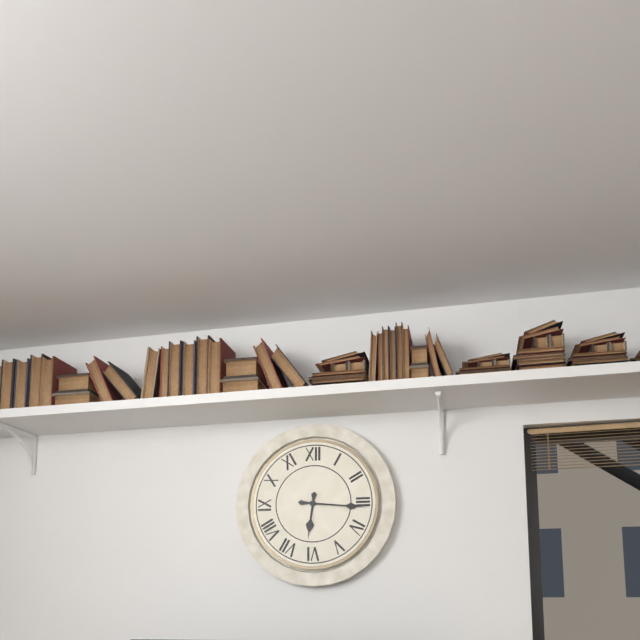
6:16
